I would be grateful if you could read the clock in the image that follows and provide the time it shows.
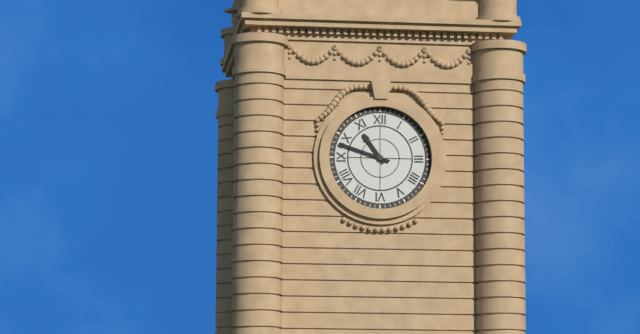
10:48
